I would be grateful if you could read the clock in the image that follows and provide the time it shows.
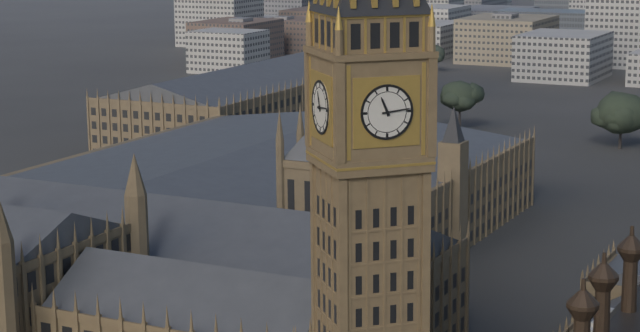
11:14
